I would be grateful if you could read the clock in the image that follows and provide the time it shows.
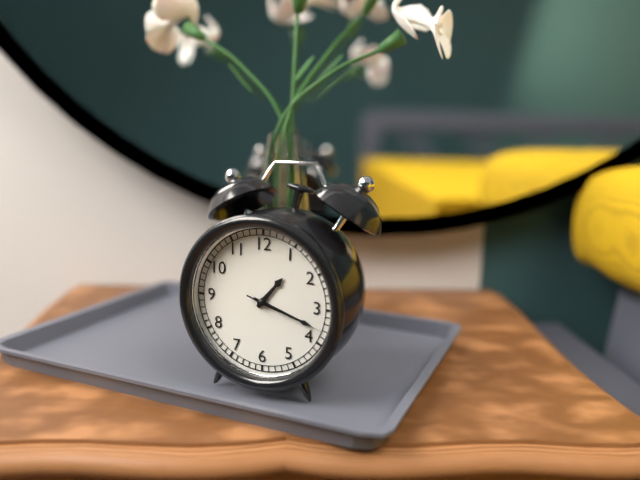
1:18:18
